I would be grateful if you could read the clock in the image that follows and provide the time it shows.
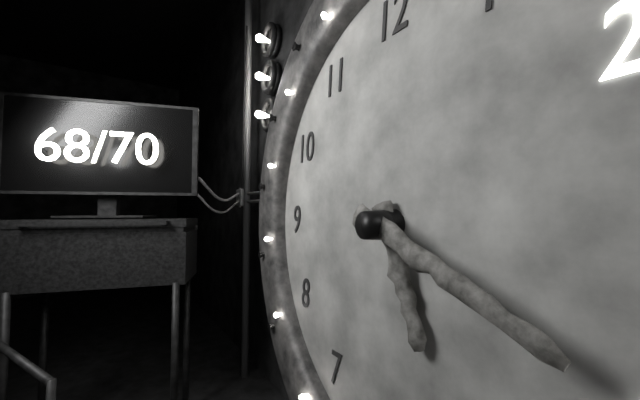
5:19
